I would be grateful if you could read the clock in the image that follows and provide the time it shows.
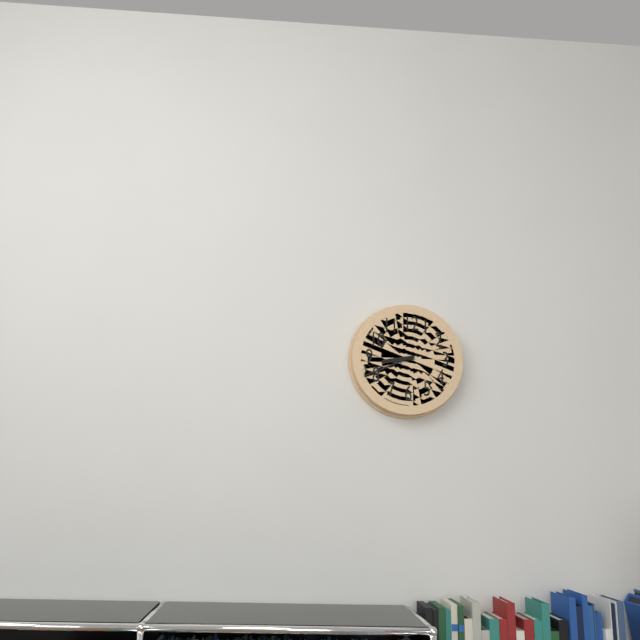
8:41
